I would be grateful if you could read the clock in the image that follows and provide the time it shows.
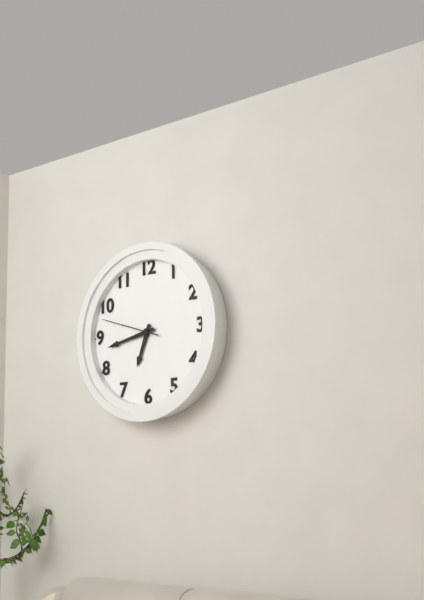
6:43:48
